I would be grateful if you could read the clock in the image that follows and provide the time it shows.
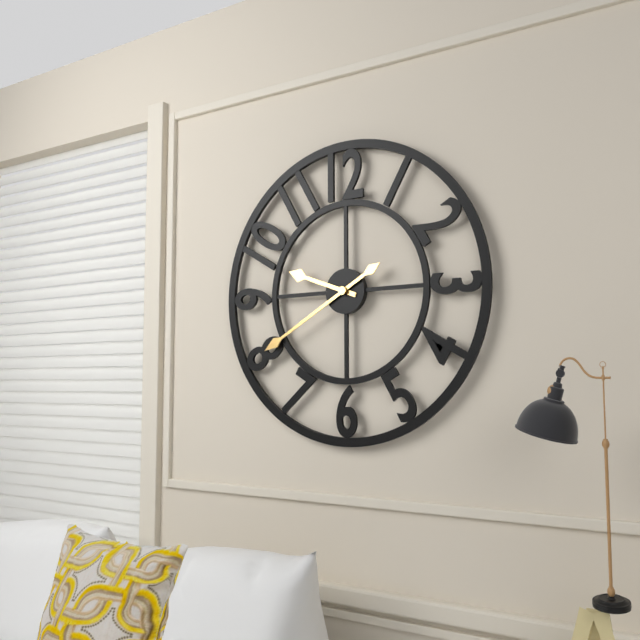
9:40
